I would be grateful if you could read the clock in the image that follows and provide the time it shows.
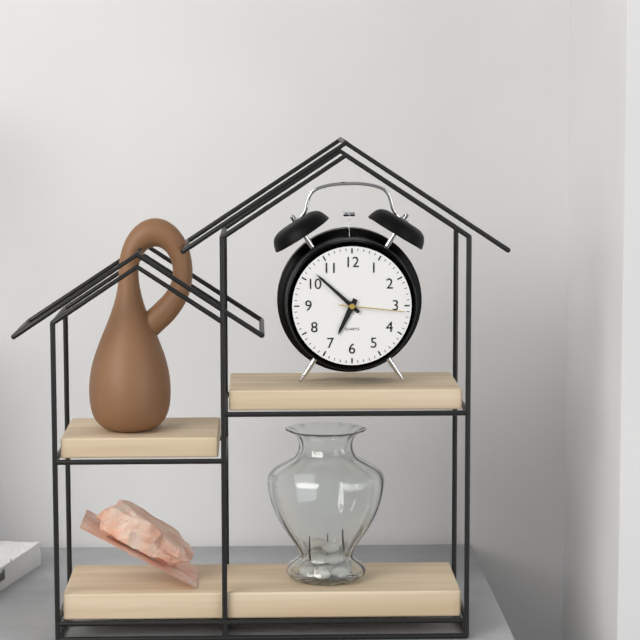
6:52:16
